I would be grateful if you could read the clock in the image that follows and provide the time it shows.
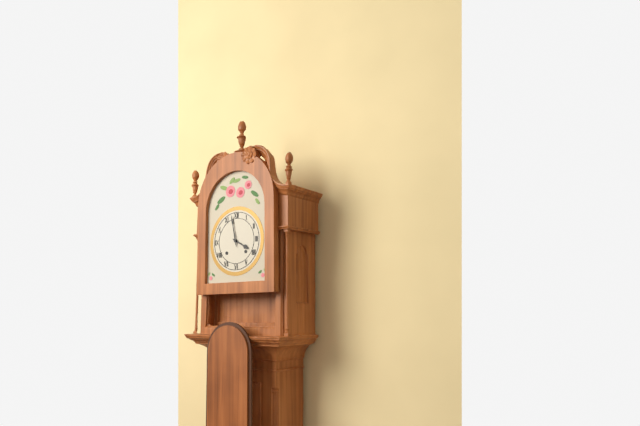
3:58
